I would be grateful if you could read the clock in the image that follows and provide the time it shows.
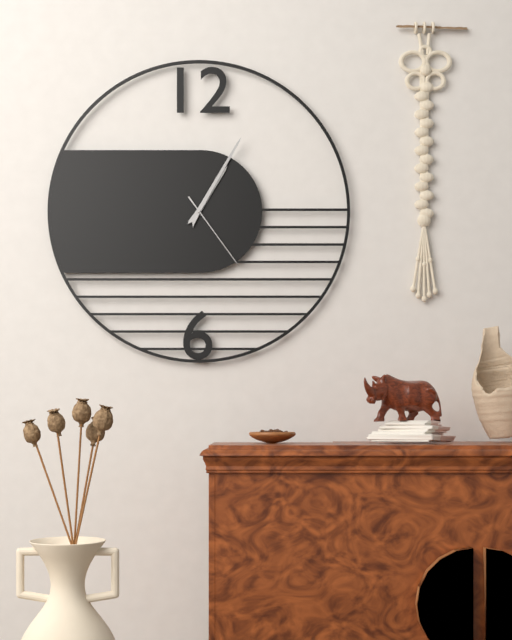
1:05:24
